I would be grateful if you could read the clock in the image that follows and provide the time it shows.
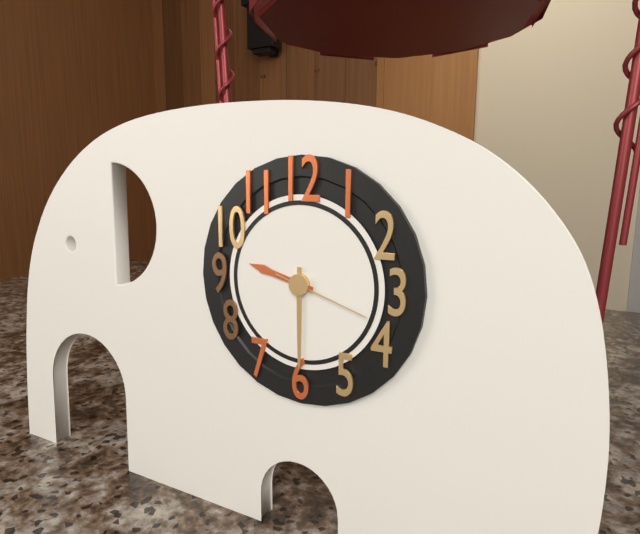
9:30:18
